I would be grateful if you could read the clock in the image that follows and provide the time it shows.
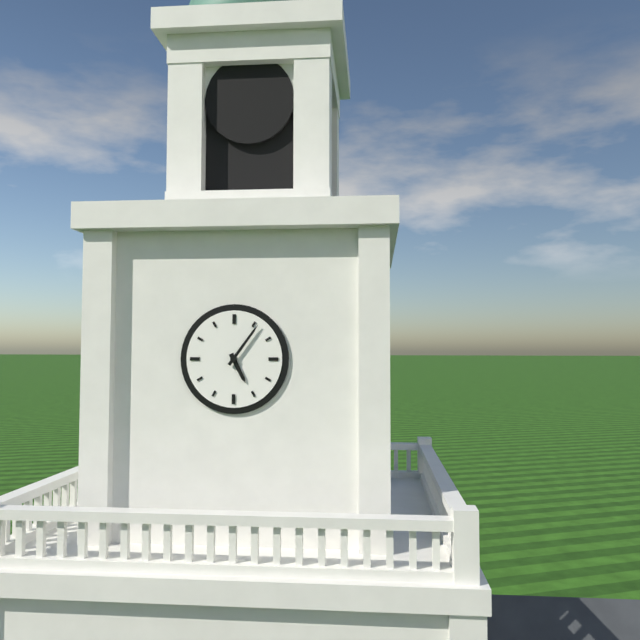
5:06
